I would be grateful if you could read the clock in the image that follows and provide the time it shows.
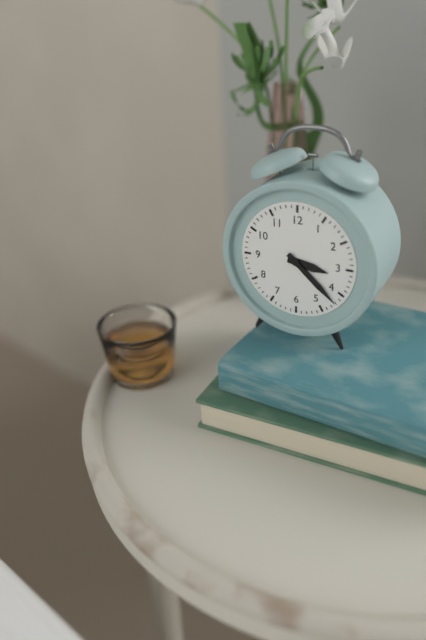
3:22
